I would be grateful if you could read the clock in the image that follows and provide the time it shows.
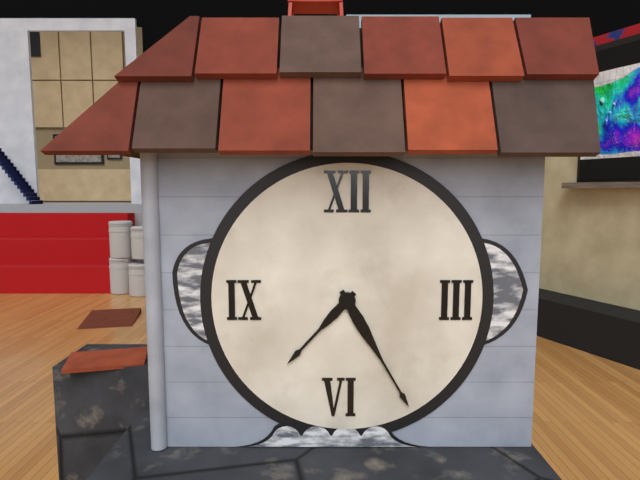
7:25
